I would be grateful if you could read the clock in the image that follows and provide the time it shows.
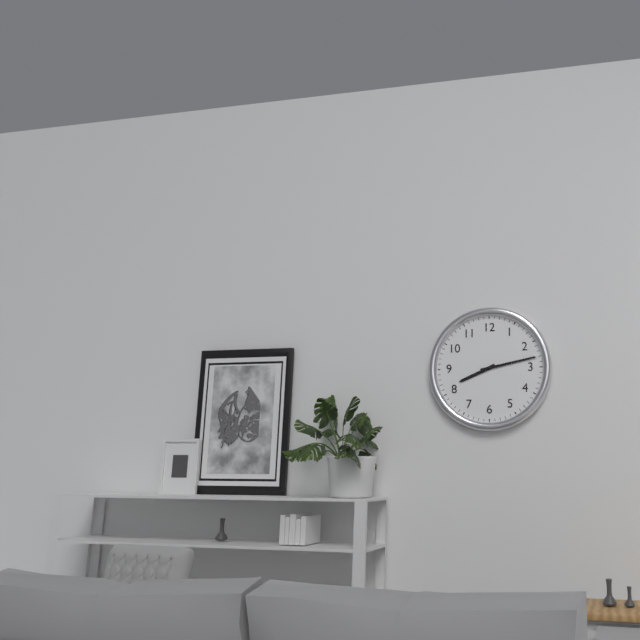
8:13
